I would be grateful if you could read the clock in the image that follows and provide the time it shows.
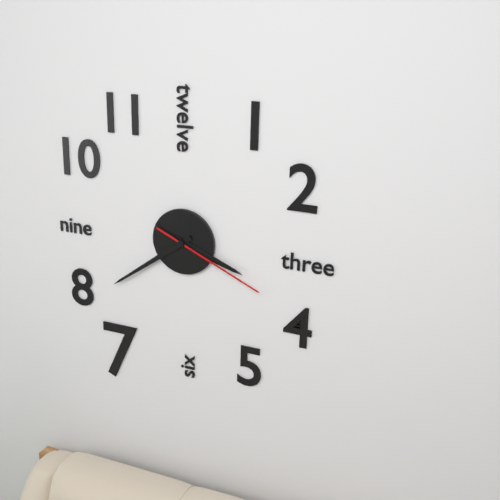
3:39:19
